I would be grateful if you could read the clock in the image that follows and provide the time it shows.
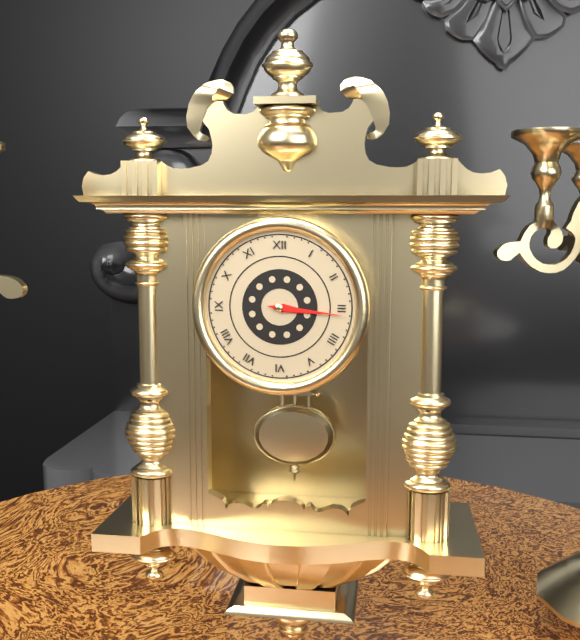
3:16
